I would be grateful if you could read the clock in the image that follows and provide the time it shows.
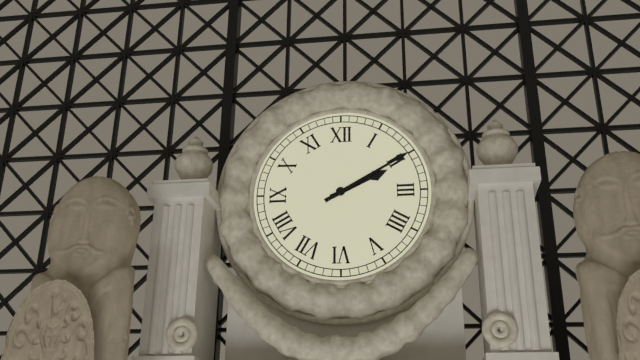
2:10
